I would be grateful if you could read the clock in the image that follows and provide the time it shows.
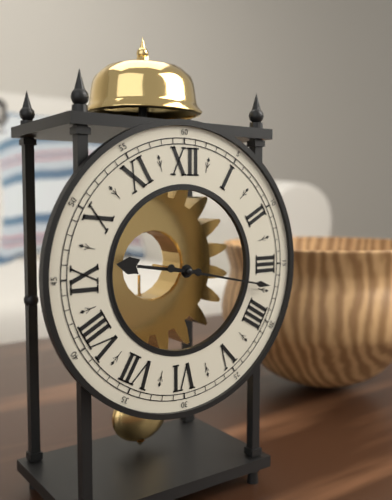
9:17
